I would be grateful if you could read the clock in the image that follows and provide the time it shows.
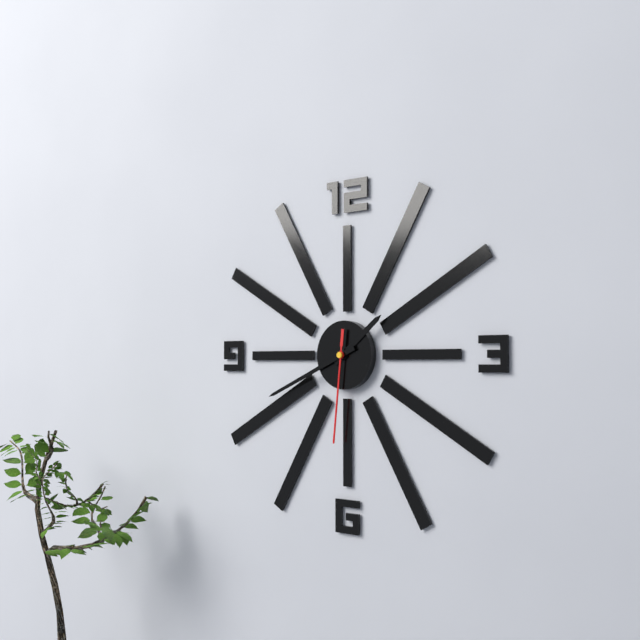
1:41:31
